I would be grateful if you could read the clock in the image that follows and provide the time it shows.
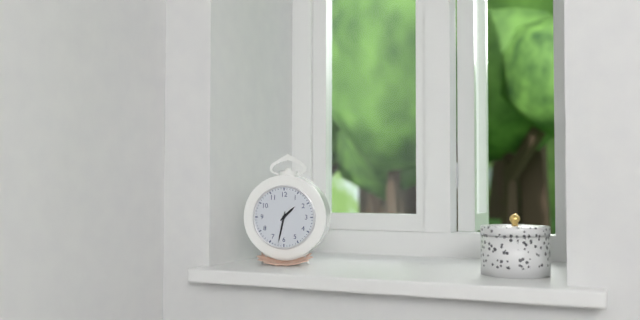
1:32
